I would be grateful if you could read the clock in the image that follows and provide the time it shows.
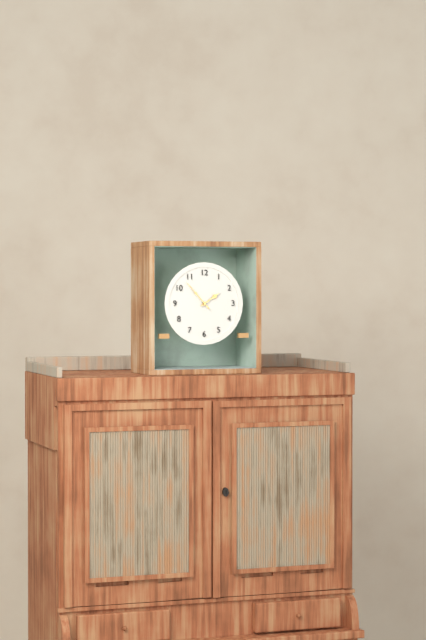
1:53
